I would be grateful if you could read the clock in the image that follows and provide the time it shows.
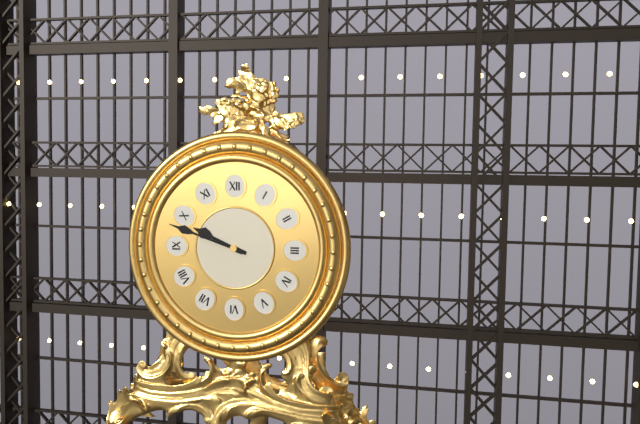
9:48
